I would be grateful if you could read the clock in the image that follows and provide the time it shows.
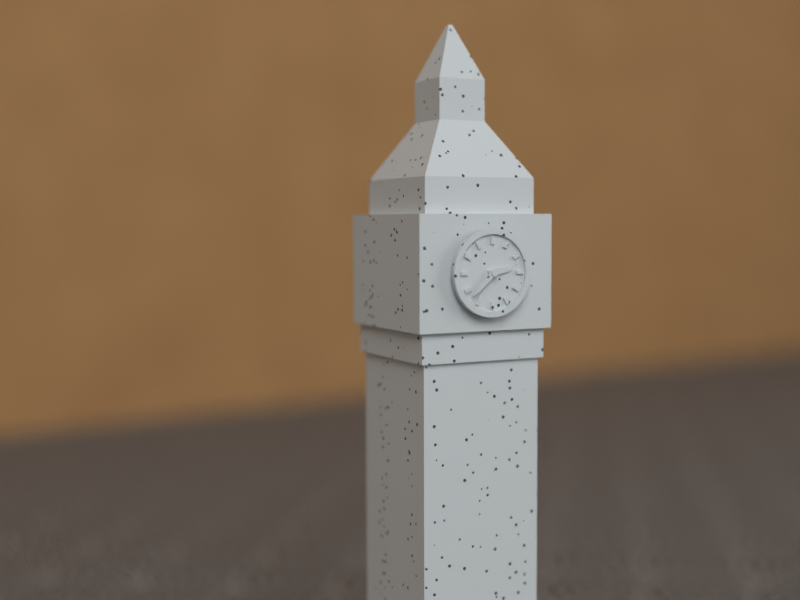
2:38
